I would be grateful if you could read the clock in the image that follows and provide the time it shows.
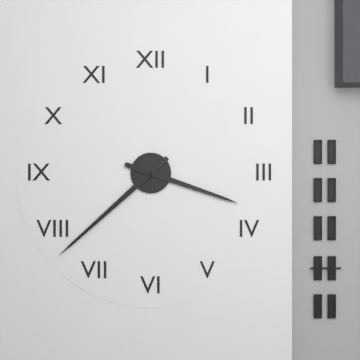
3:38
